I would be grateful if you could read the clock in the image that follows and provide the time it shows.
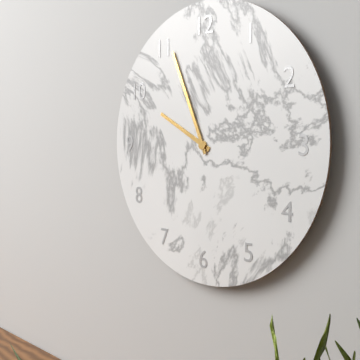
9:56
